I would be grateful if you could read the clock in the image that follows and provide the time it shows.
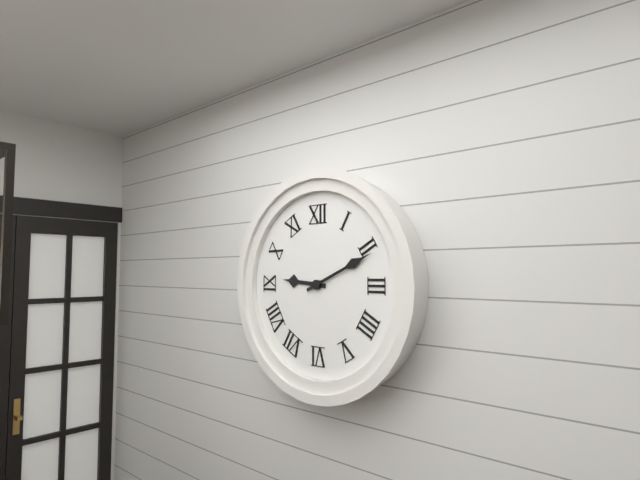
9:11
